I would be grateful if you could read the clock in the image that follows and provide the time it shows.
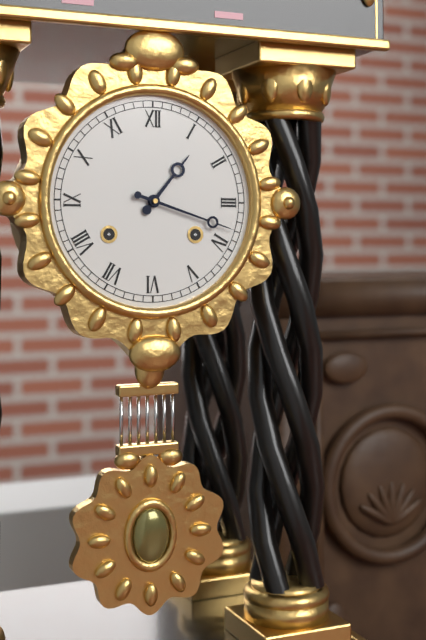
1:18
